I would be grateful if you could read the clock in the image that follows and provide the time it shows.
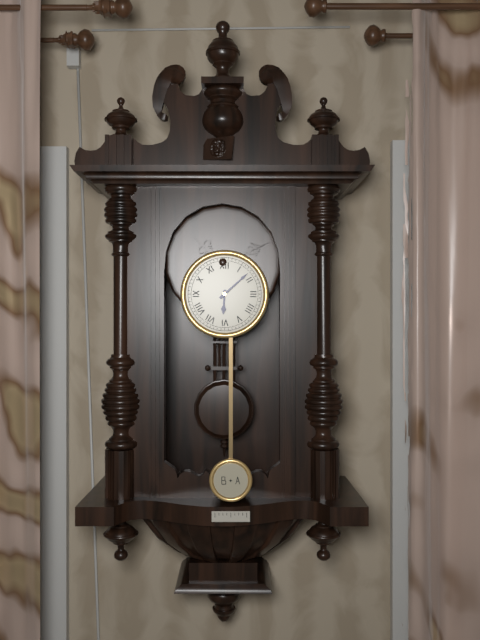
6:08
